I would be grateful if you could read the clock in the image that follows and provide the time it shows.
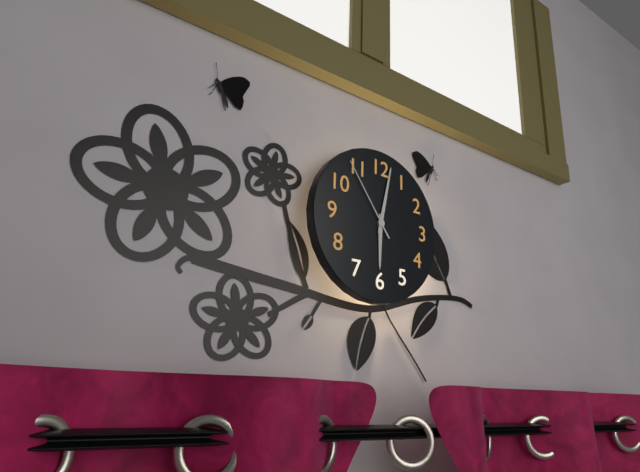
6:02:54
